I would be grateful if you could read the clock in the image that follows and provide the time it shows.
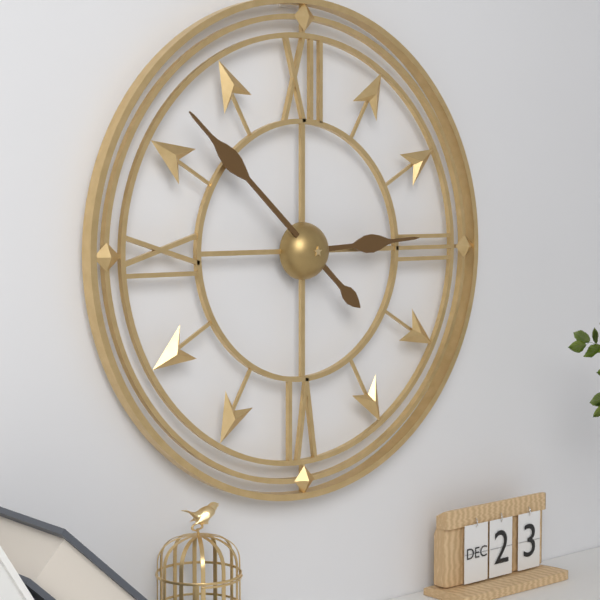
2:52
